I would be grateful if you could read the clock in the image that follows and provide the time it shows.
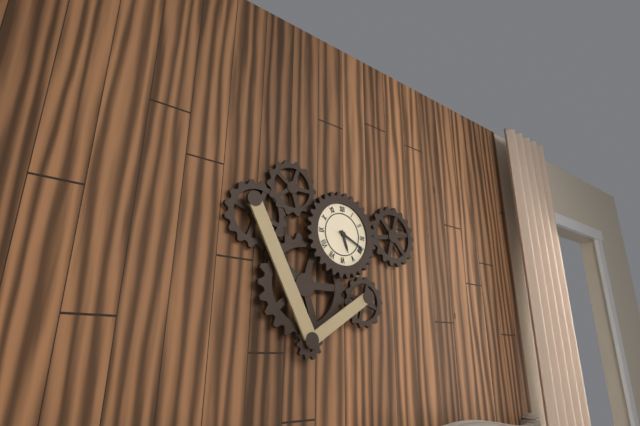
5:19
